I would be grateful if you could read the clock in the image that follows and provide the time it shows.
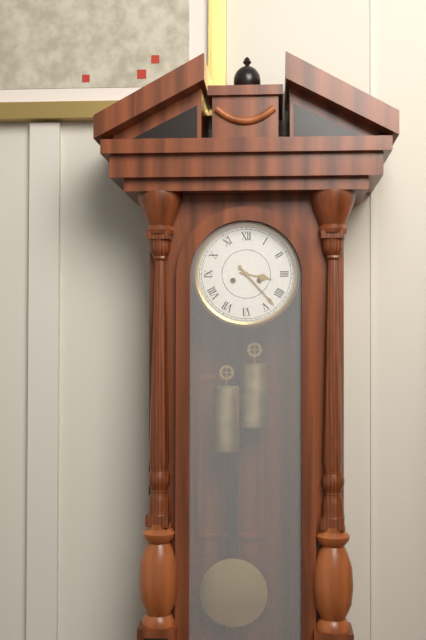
3:23
